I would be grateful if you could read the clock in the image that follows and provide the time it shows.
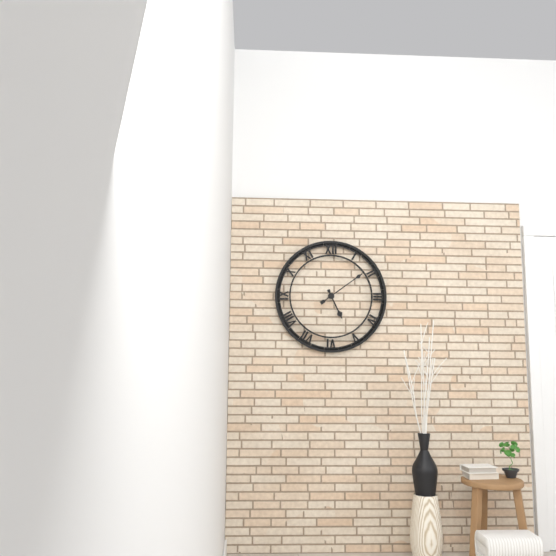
5:09
